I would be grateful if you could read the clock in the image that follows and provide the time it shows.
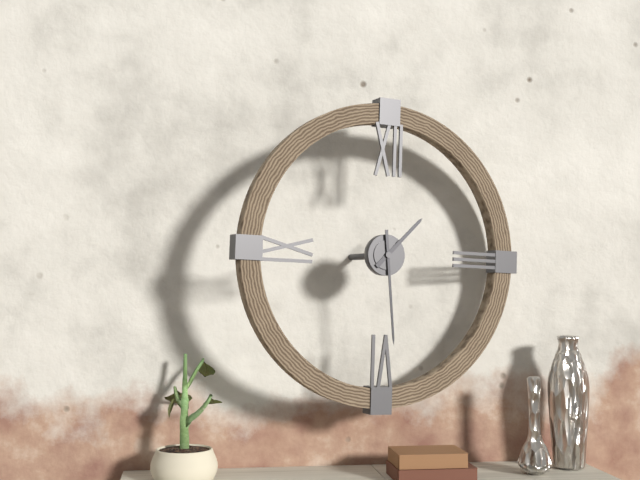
1:29
